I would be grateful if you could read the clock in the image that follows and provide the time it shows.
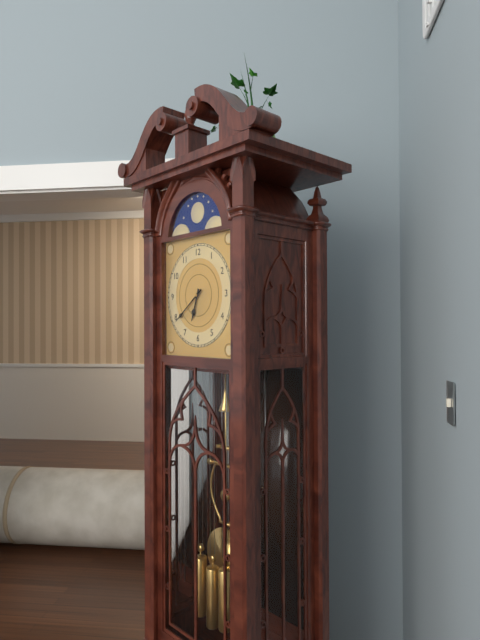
6:39
